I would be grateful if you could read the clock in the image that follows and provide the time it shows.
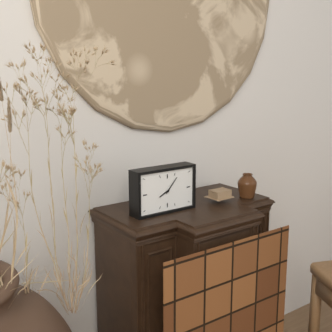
8:07
